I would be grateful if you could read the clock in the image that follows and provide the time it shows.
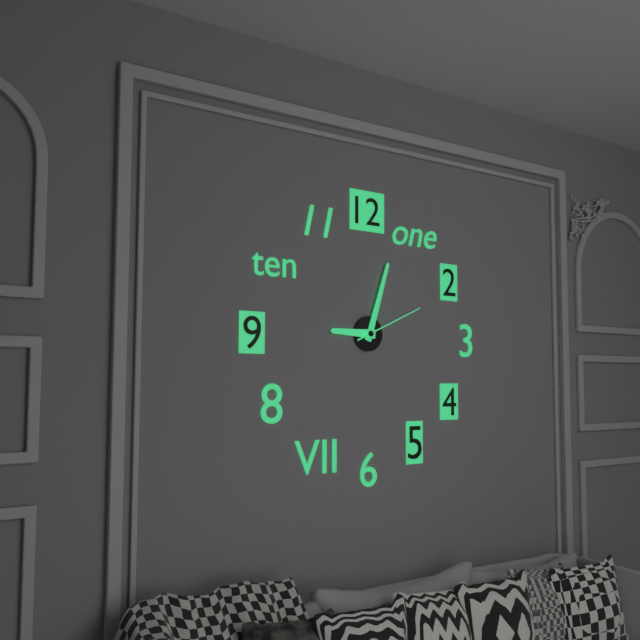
9:03:11
